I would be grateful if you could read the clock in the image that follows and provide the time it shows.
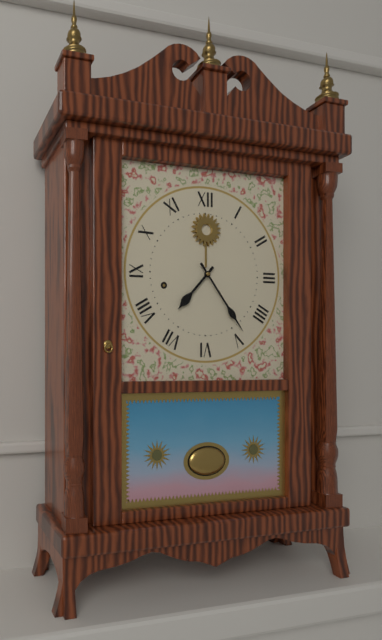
7:24
